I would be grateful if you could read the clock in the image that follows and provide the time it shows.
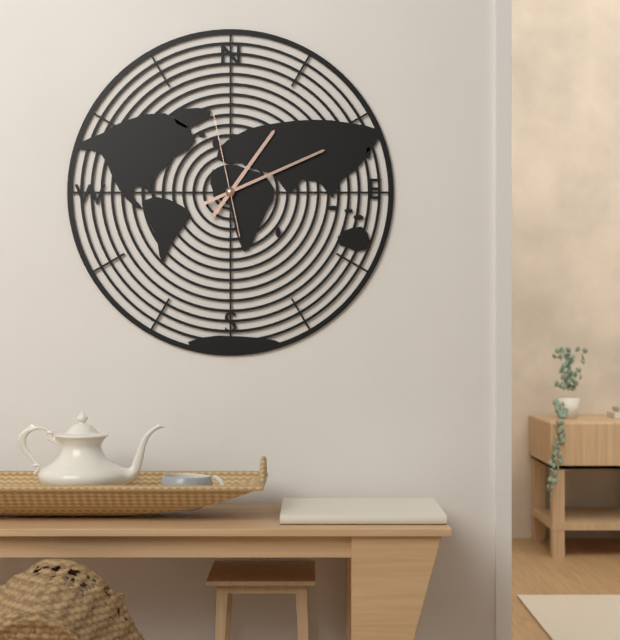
1:11:58
